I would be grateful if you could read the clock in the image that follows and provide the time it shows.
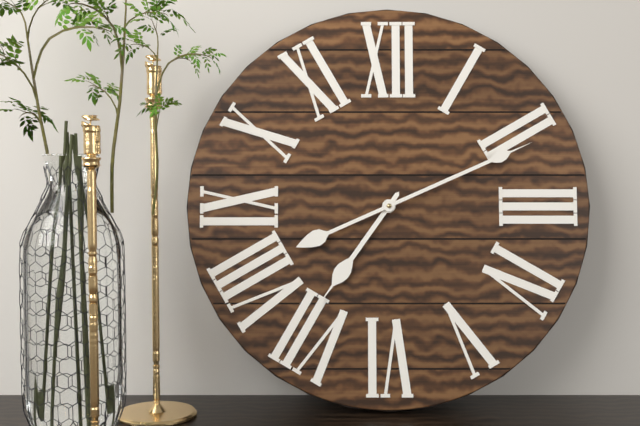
7:11
